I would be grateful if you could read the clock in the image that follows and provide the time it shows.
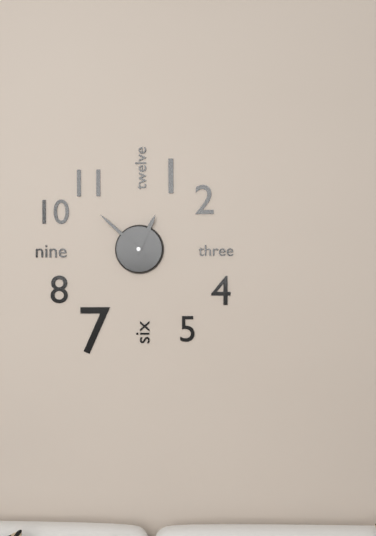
12:52
